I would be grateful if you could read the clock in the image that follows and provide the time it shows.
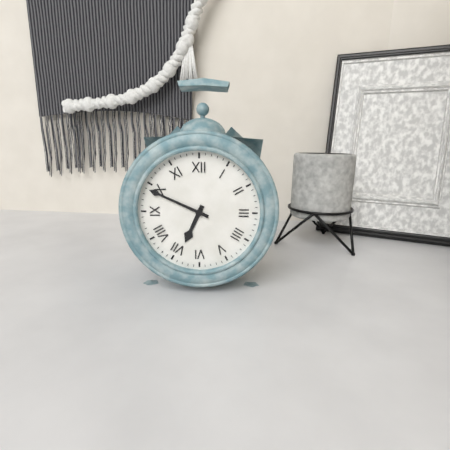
6:49
